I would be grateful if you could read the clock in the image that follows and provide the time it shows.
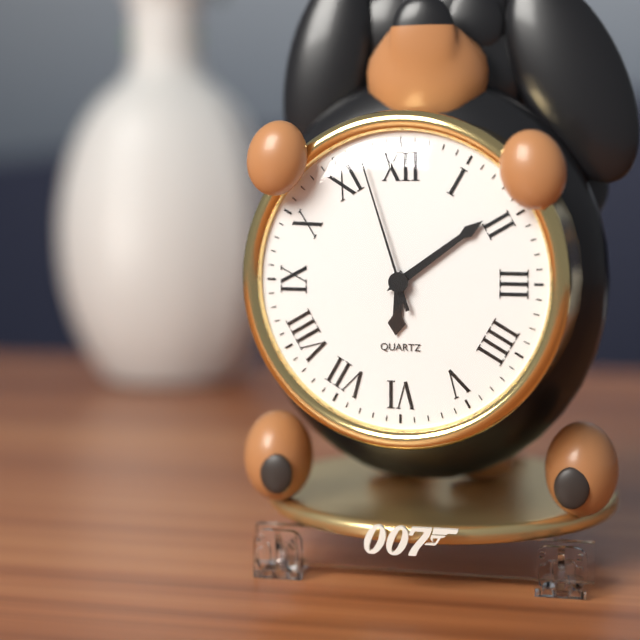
6:09:57
